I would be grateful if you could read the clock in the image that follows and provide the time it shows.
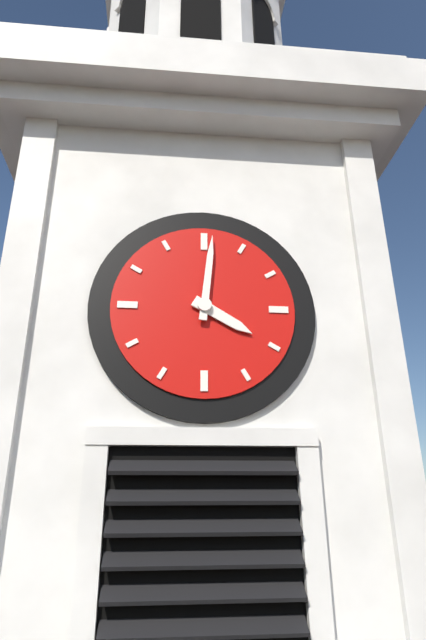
4:01
